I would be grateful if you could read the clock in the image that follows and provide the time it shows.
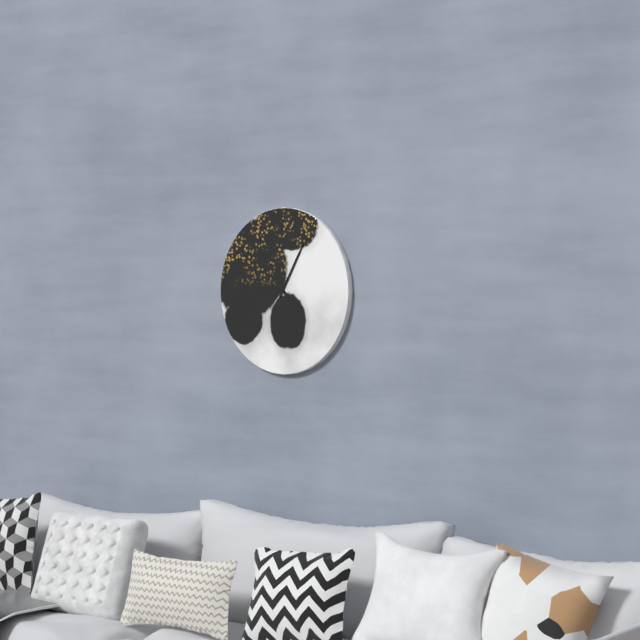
4:05
